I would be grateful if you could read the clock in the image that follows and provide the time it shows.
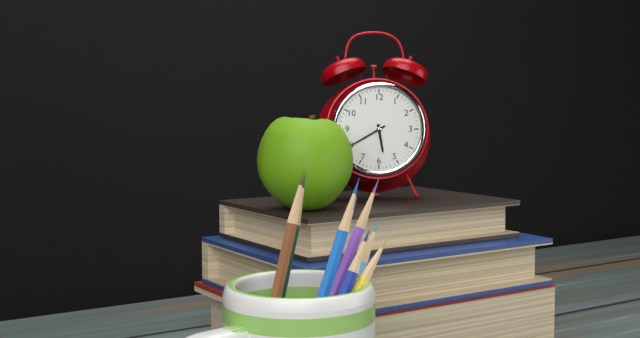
5:40
